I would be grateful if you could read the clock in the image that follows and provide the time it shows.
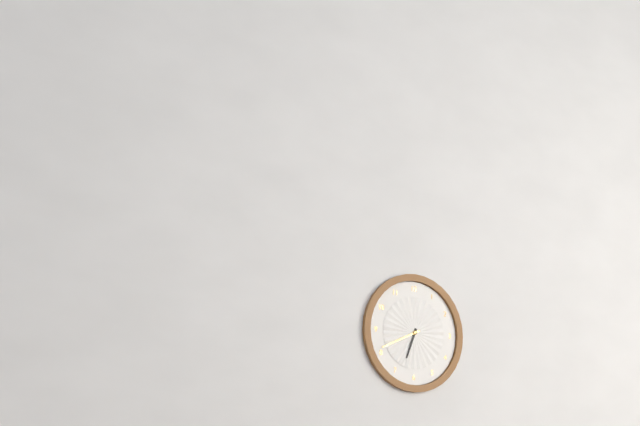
6:41
